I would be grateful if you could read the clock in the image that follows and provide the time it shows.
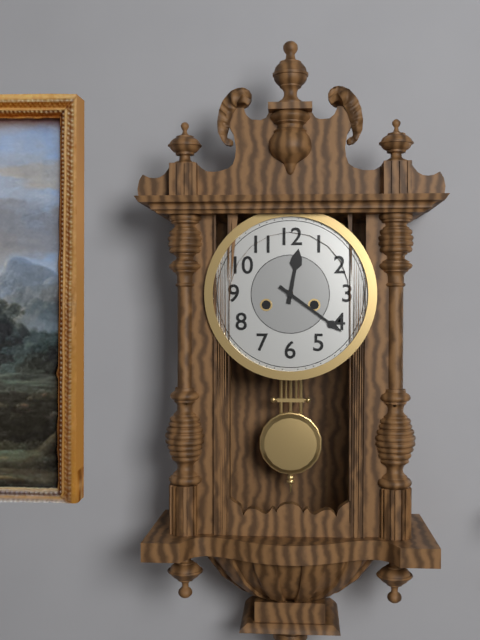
12:21
